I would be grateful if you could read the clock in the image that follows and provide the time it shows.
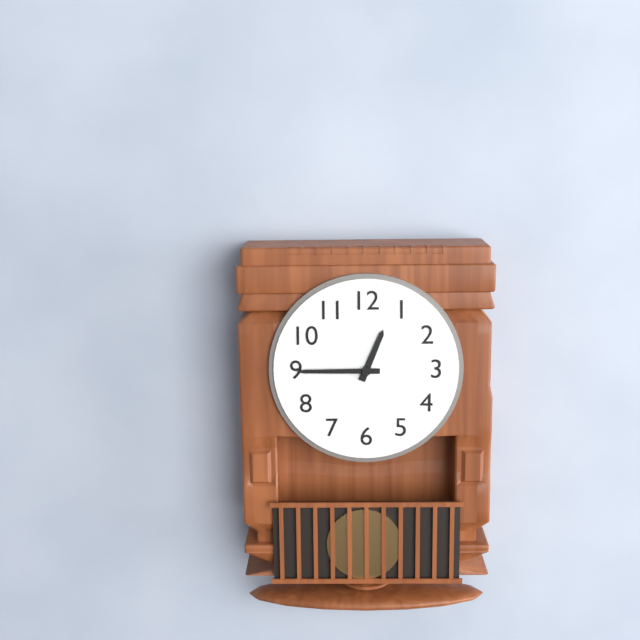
12:45
